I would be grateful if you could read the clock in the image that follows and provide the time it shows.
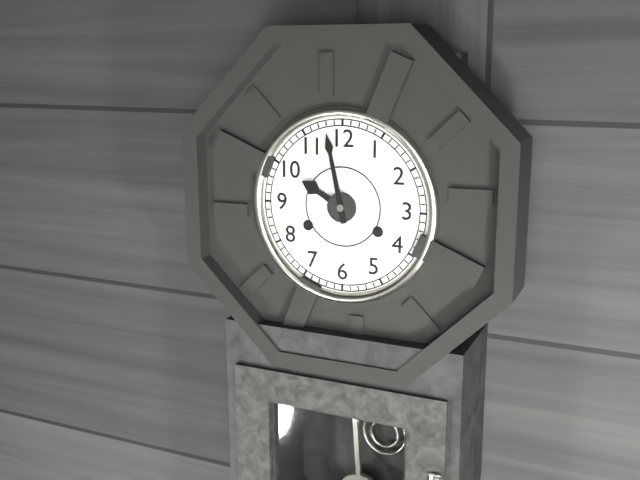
9:58
